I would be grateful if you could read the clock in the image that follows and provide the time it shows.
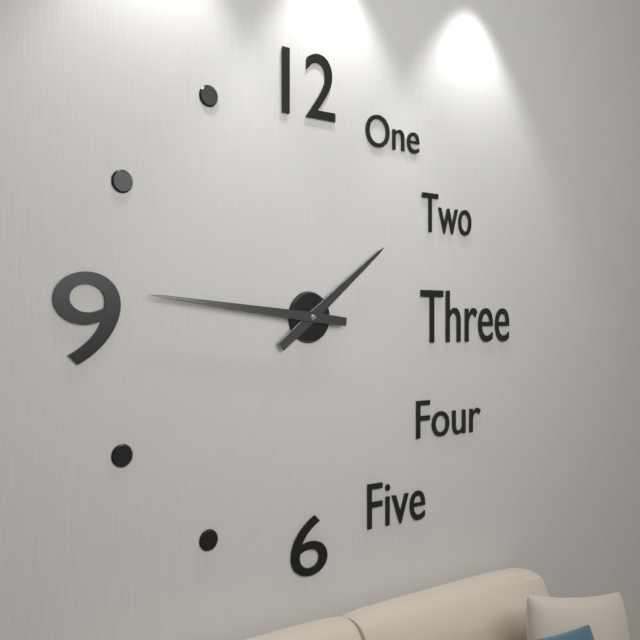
1:46
